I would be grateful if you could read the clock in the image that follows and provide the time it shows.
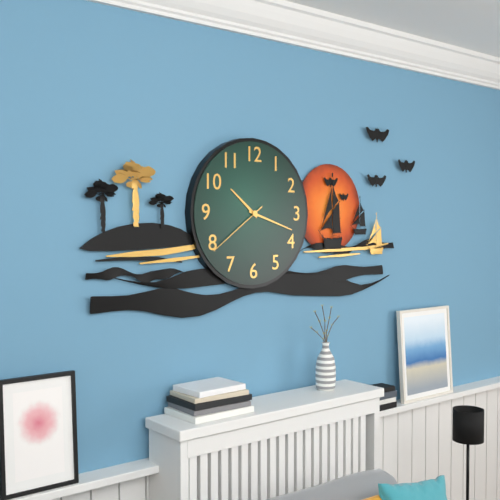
10:18:39
